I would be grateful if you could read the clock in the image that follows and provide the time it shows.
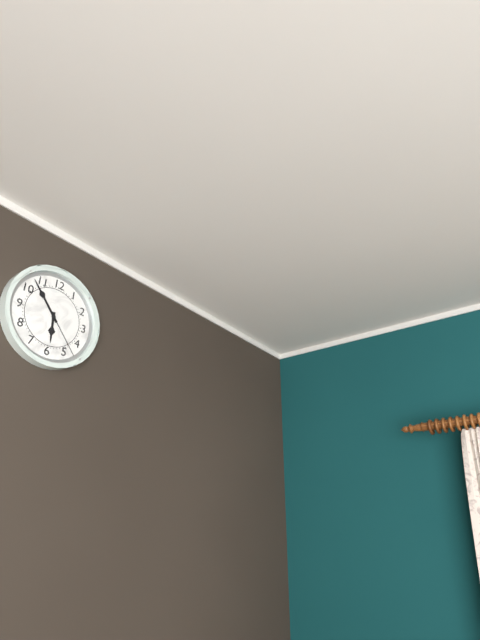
5:53:23
